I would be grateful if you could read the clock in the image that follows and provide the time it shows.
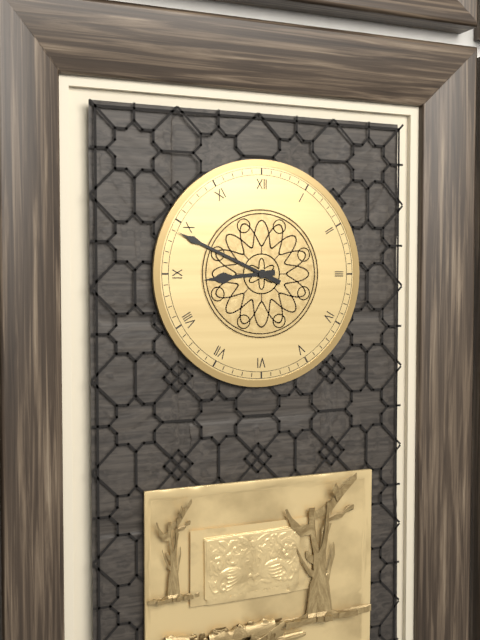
8:49
